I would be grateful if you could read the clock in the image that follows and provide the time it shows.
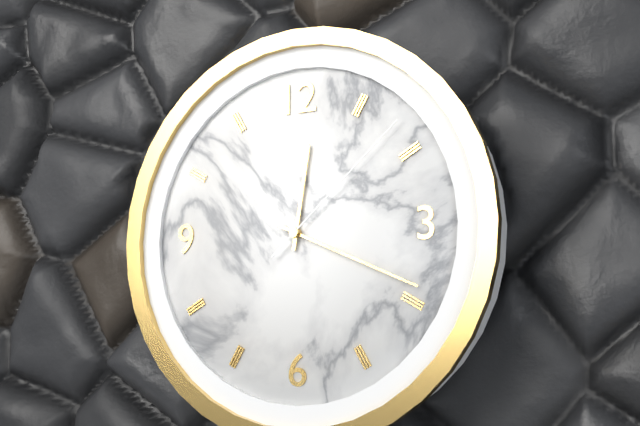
12:19:08
